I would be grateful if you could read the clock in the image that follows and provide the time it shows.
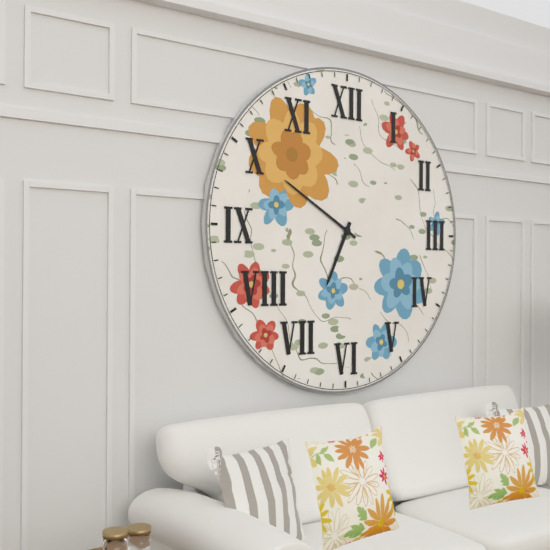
6:50
